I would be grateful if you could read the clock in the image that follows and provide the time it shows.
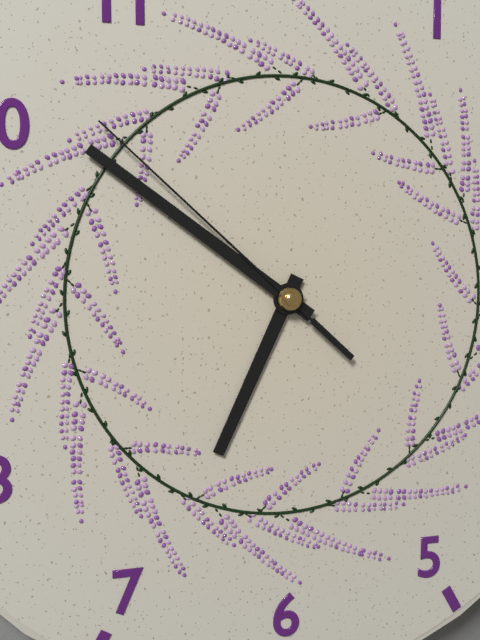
6:51:52
